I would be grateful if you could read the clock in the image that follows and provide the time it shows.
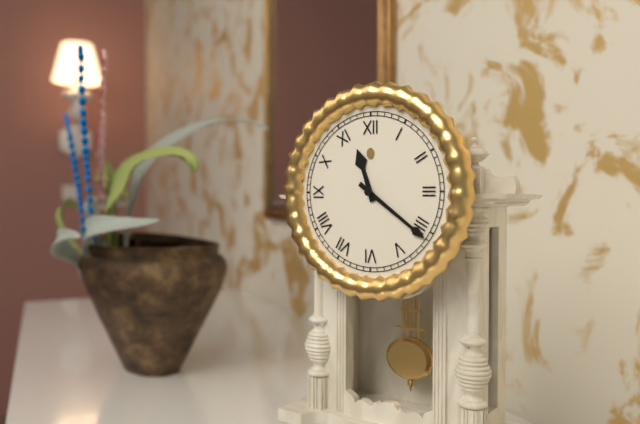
11:21
